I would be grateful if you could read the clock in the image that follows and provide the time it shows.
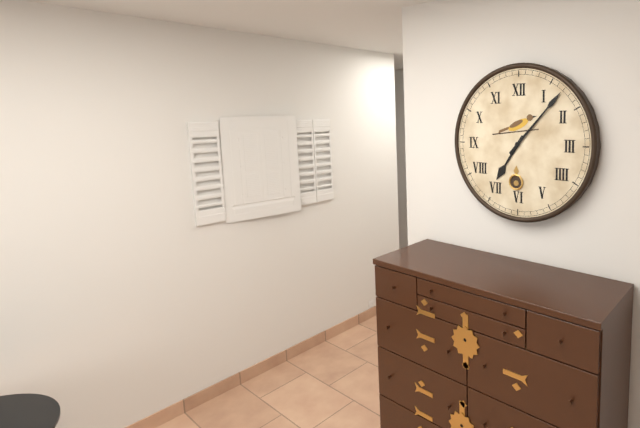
7:07
